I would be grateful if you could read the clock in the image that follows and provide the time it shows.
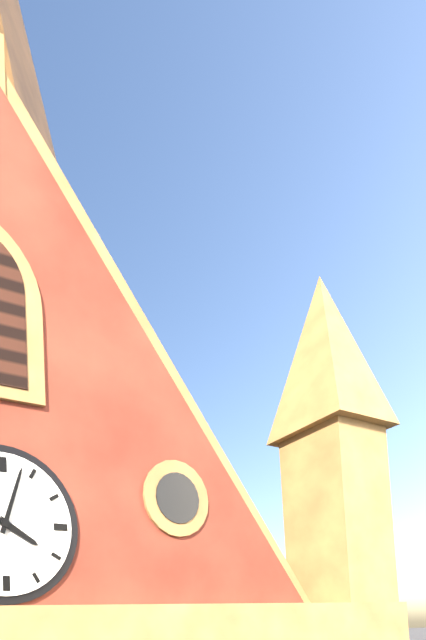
4:03
